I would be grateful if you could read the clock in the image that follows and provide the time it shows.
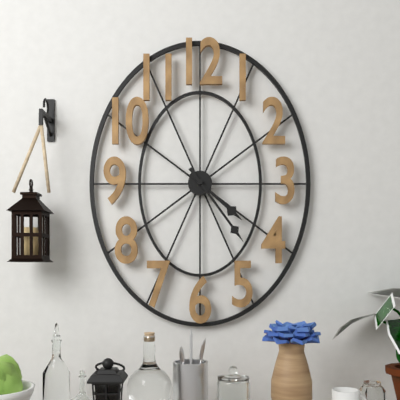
4:24
